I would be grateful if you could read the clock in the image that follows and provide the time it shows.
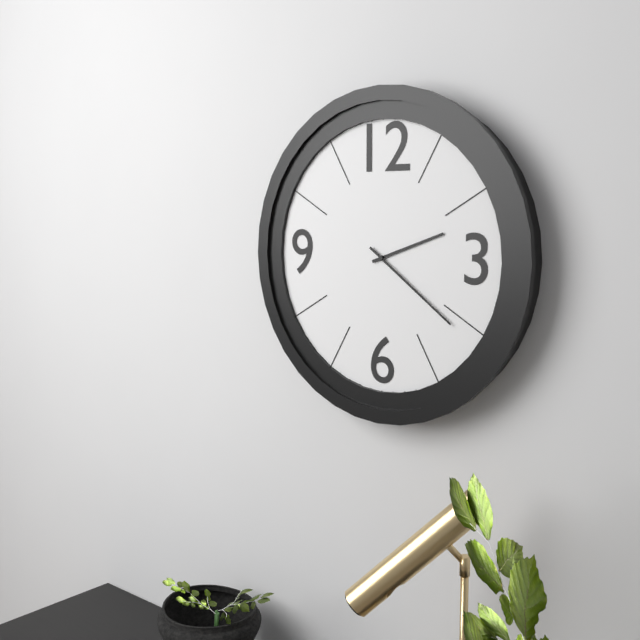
2:21
